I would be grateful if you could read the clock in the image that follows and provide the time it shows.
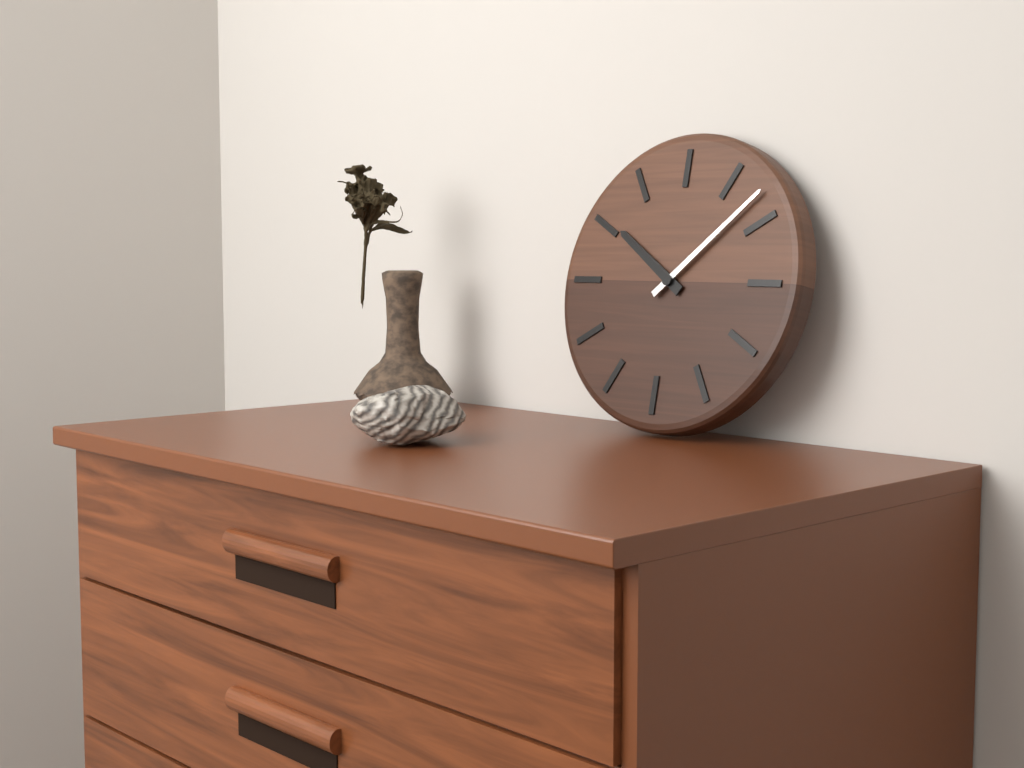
10:08
